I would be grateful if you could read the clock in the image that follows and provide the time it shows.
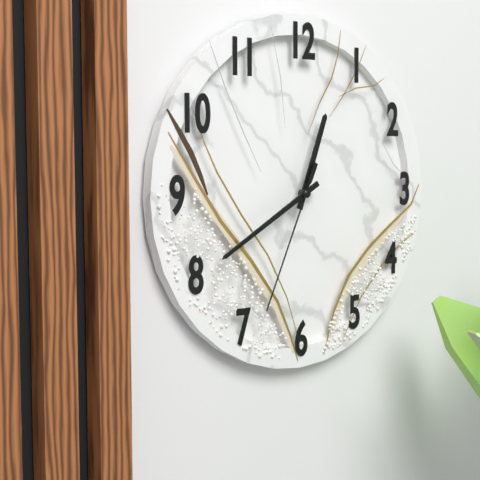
12:40:34
